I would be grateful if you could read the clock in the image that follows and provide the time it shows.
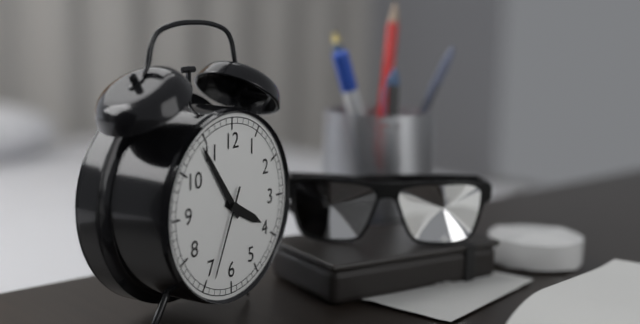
3:54:34
